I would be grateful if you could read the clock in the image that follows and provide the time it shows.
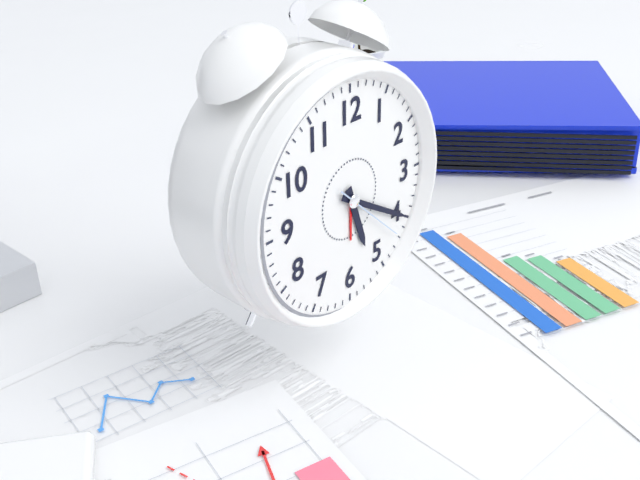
5:20:22
